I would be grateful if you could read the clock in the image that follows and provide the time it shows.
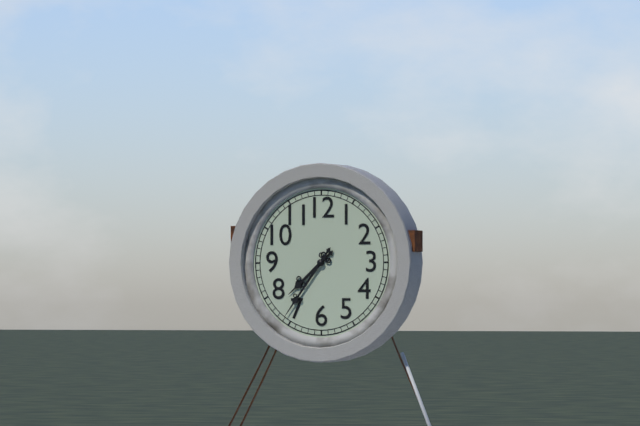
7:36
